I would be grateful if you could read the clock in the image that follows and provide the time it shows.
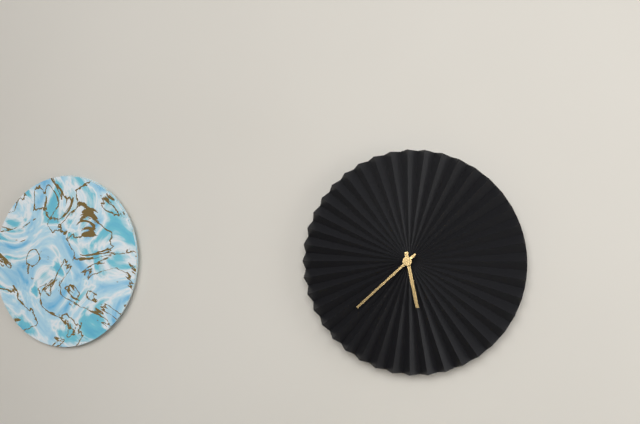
5:38
